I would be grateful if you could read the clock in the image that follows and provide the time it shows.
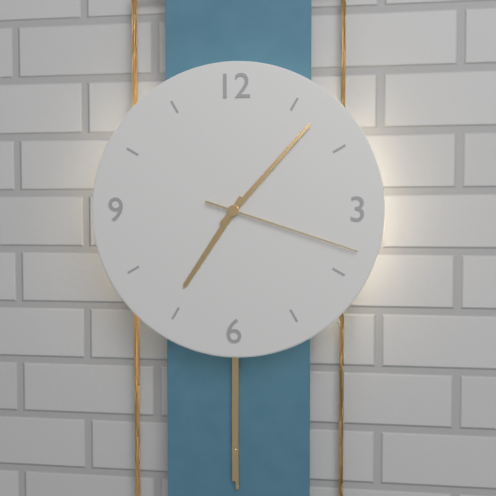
7:07:18
